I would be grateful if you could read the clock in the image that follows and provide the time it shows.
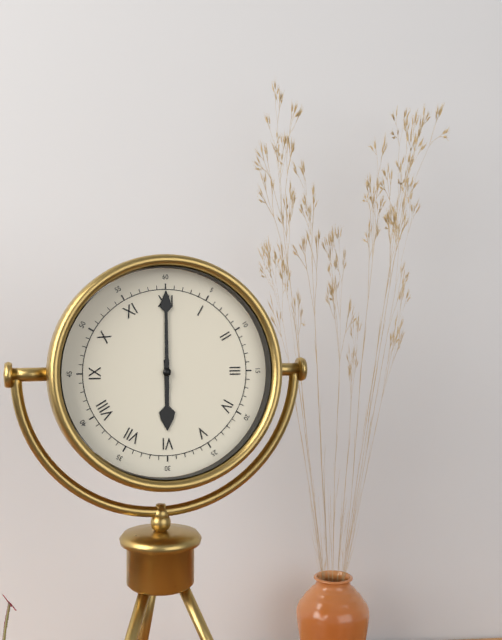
6:00
